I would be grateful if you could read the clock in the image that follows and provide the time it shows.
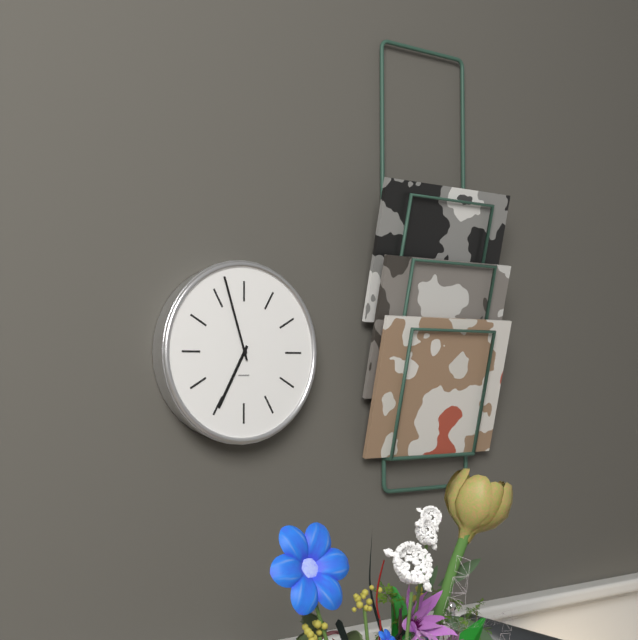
6:57
